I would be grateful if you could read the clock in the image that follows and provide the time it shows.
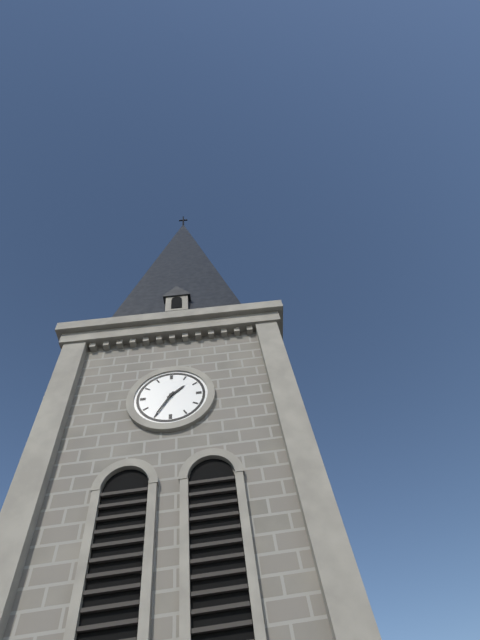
1:35
